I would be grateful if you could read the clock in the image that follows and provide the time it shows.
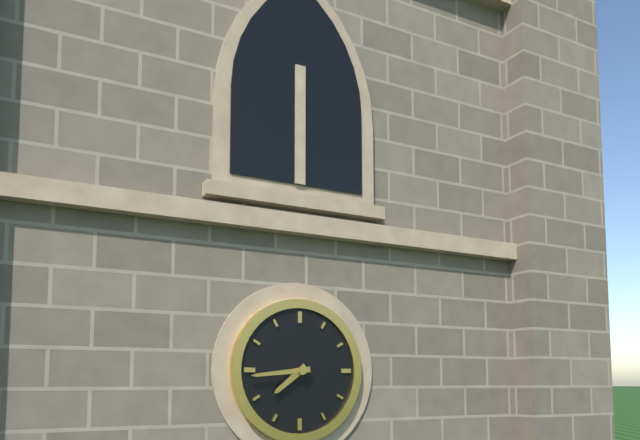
7:44
